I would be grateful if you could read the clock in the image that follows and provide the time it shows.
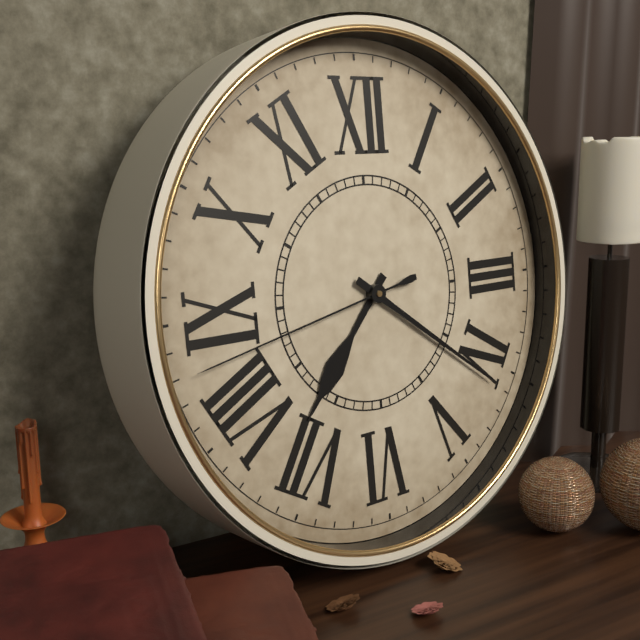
7:21:43
